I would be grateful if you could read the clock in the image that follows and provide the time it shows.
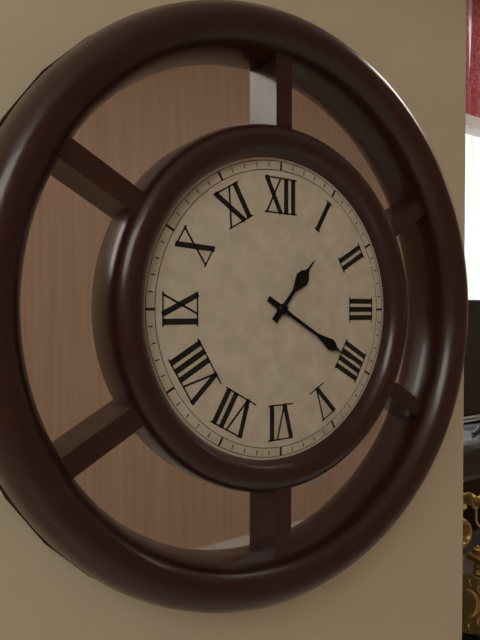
1:20
